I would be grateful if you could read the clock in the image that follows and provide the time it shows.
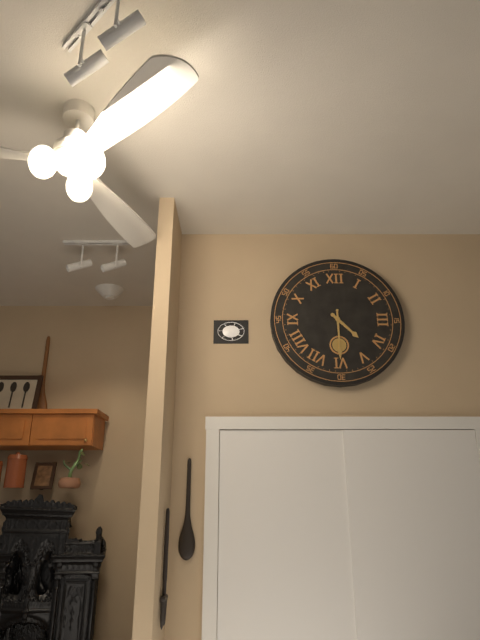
4:30
